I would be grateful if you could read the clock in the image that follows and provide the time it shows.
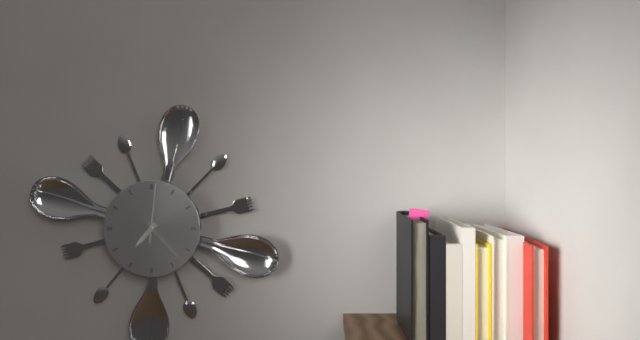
7:23:01
